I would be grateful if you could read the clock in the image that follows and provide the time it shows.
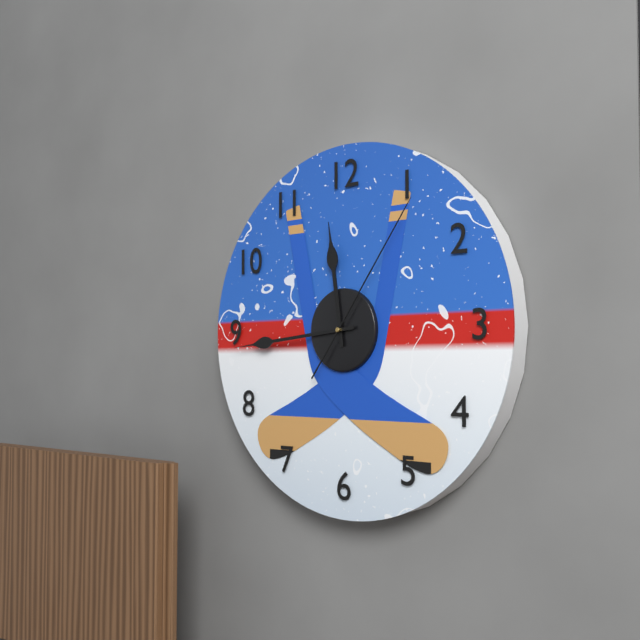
11:44:06
